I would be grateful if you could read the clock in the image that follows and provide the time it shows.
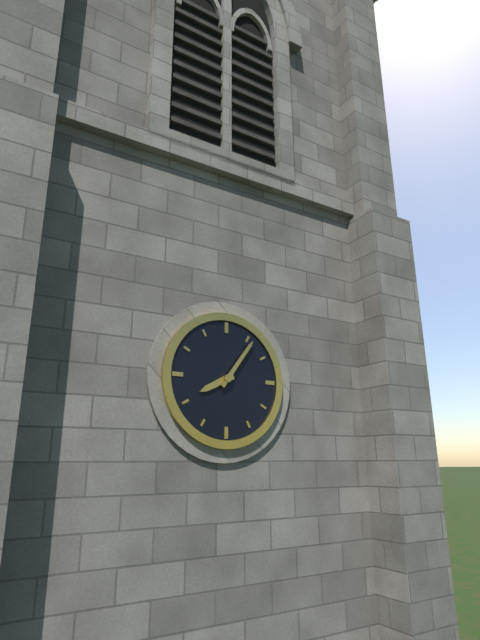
8:06
